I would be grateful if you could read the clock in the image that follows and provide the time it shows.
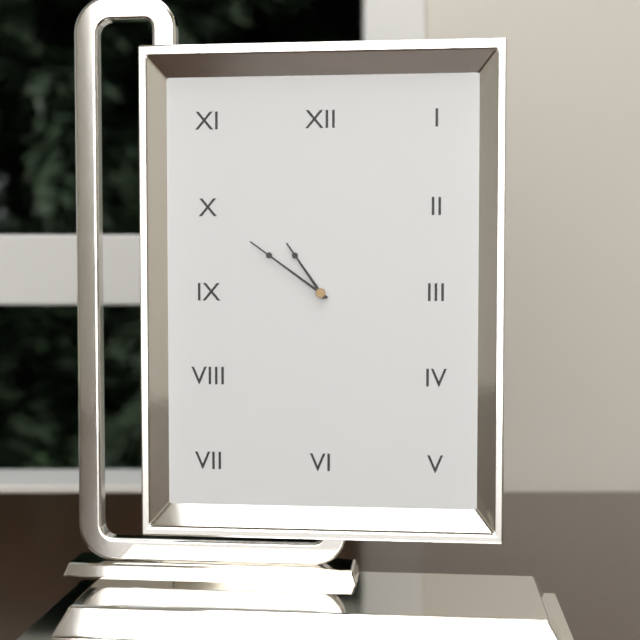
10:51
